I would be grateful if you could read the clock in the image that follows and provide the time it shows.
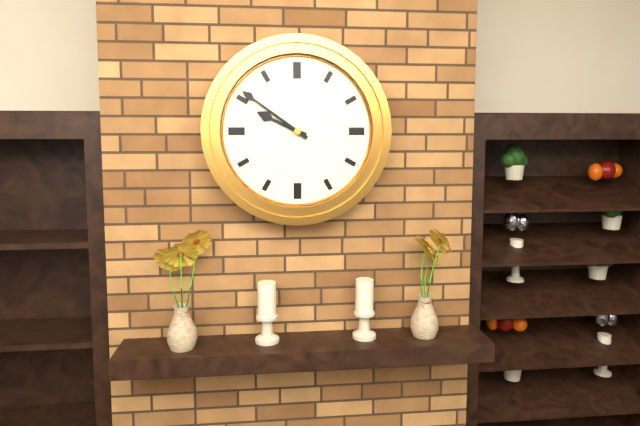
9:51
